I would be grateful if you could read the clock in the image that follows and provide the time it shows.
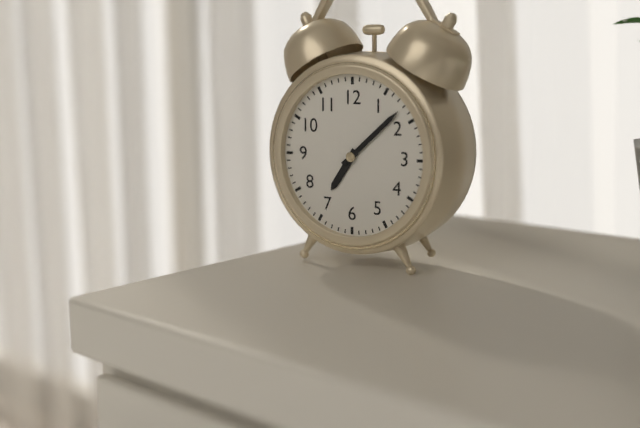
7:08
